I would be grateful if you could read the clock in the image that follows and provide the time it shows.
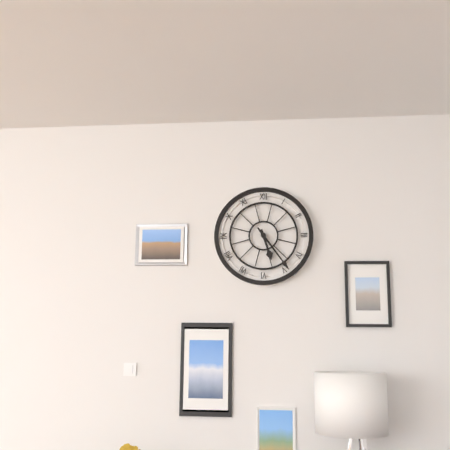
5:24
